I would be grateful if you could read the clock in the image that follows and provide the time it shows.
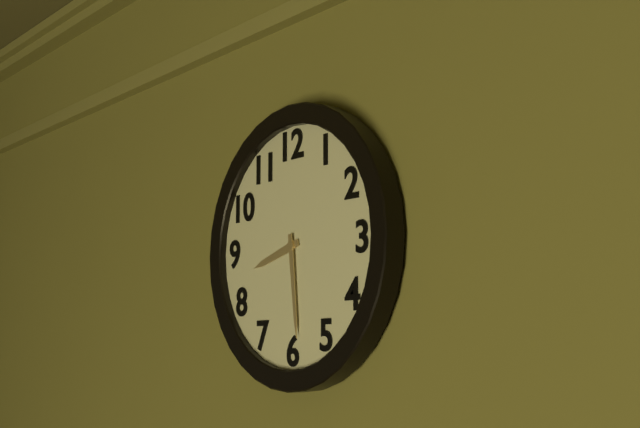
8:29
